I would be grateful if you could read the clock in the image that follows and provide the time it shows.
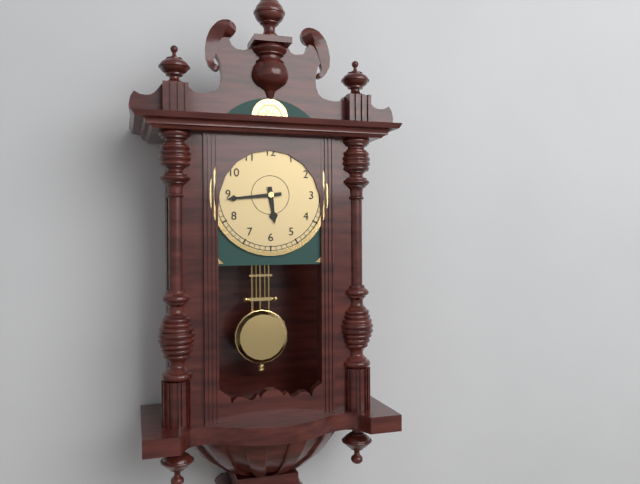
5:44
